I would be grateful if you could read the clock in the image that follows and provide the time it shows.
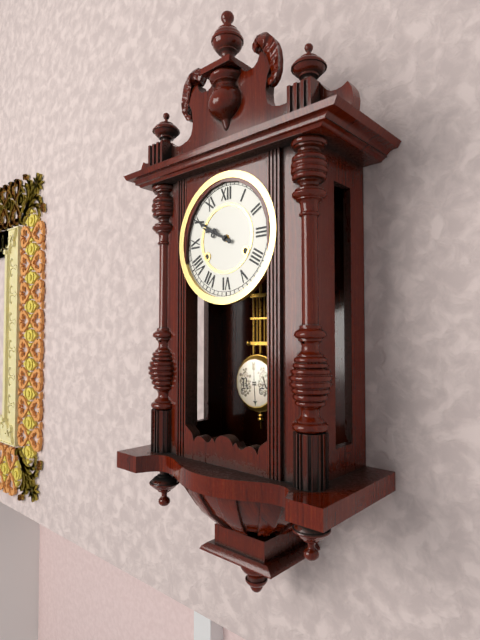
9:50
